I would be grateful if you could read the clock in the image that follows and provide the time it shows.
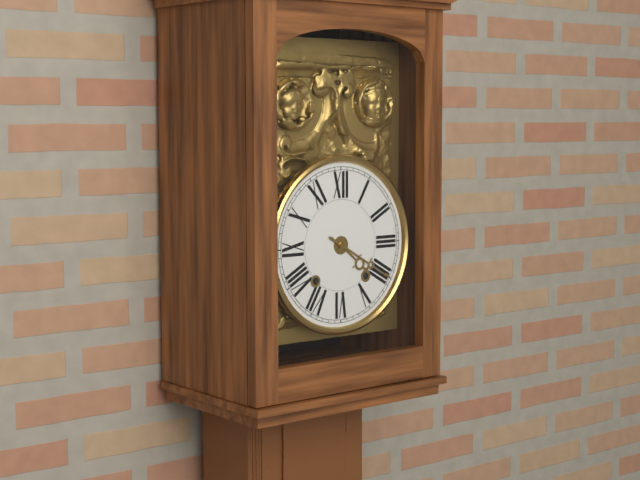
4:20
